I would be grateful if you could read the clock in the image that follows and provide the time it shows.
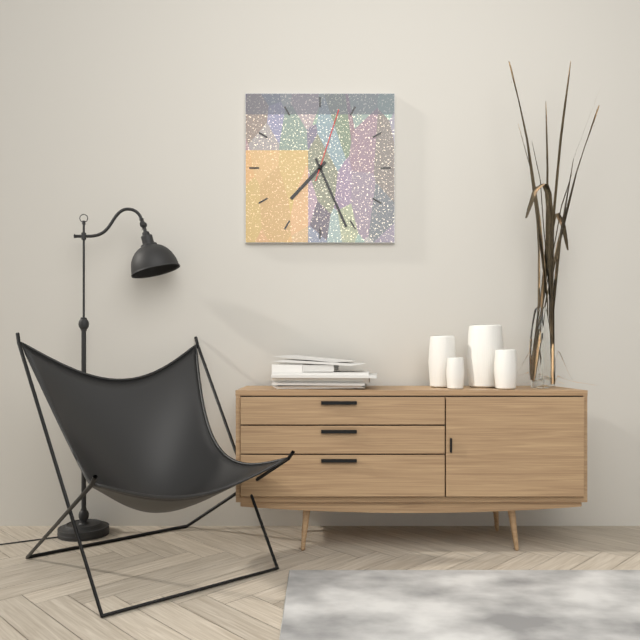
7:26:03
